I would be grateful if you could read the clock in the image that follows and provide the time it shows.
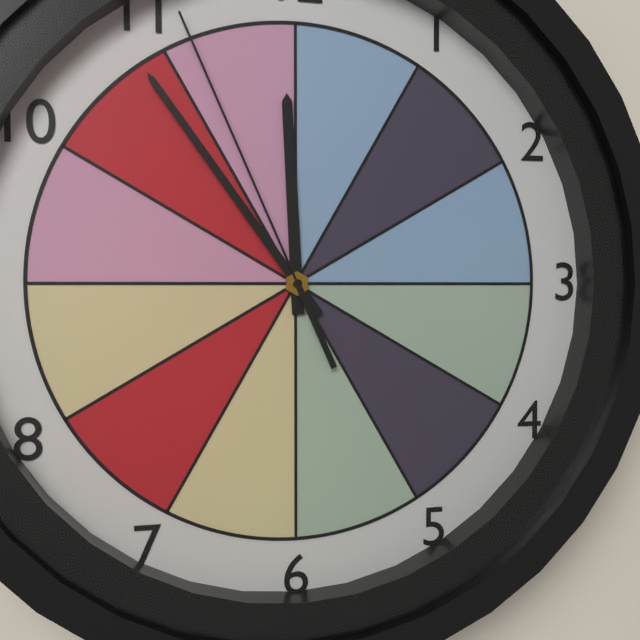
11:54:56
